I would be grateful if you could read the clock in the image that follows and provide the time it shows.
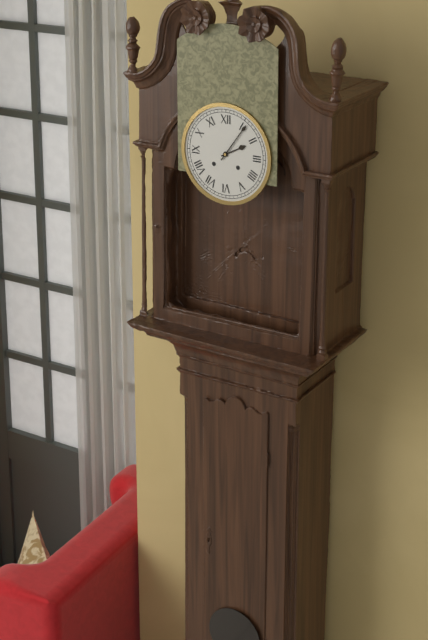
2:06
